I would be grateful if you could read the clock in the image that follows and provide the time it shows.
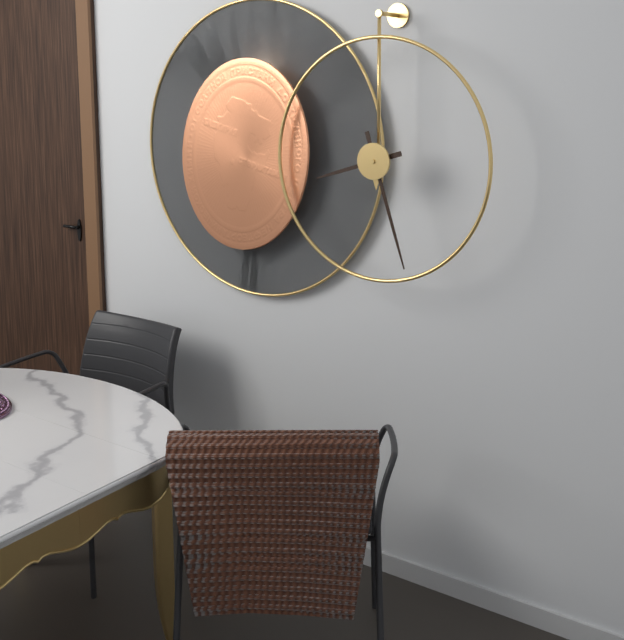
8:27
